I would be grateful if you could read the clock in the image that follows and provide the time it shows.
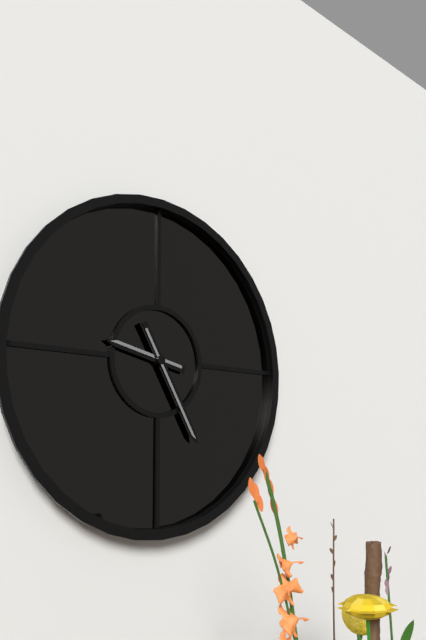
9:25
